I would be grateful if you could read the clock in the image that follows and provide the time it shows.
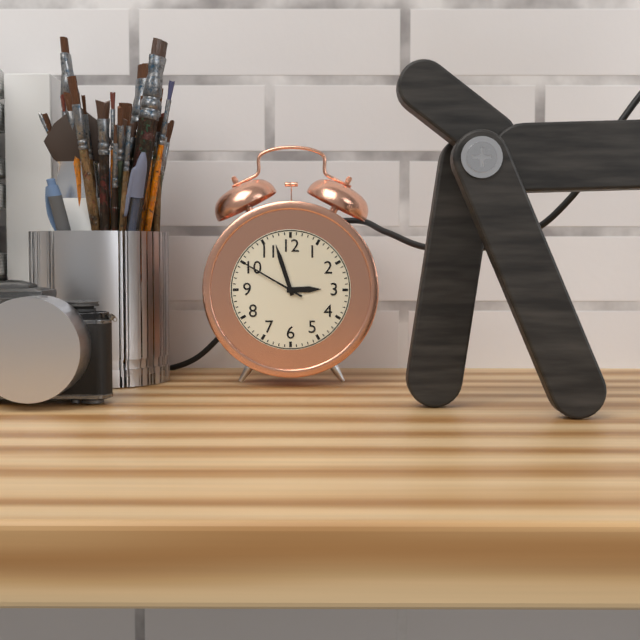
2:57:50
